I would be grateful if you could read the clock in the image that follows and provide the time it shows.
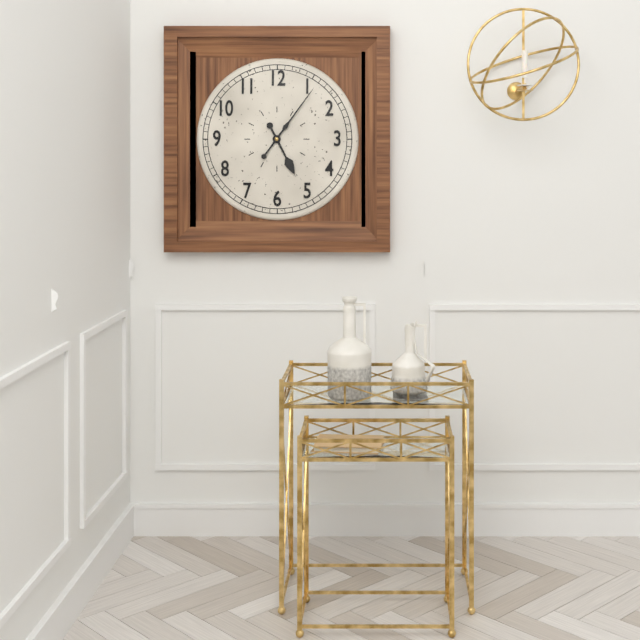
5:06
